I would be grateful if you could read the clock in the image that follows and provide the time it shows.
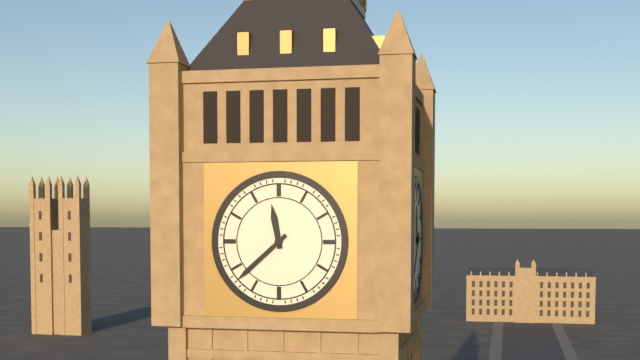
11:38
